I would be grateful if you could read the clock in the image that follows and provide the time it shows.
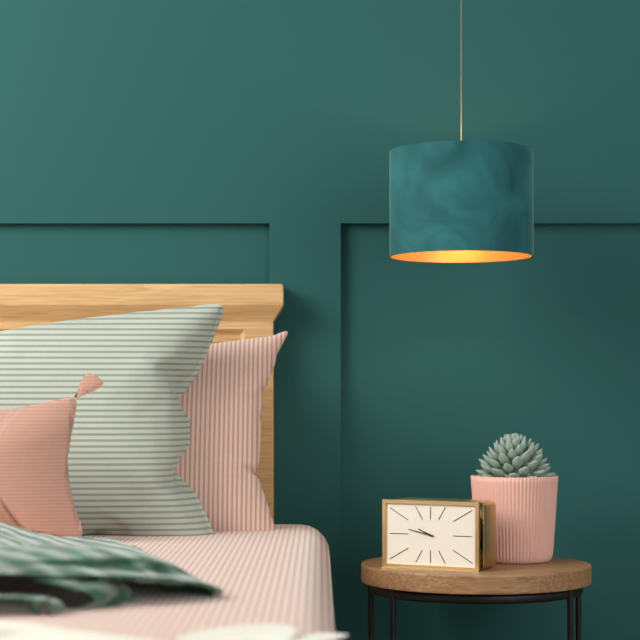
9:47
